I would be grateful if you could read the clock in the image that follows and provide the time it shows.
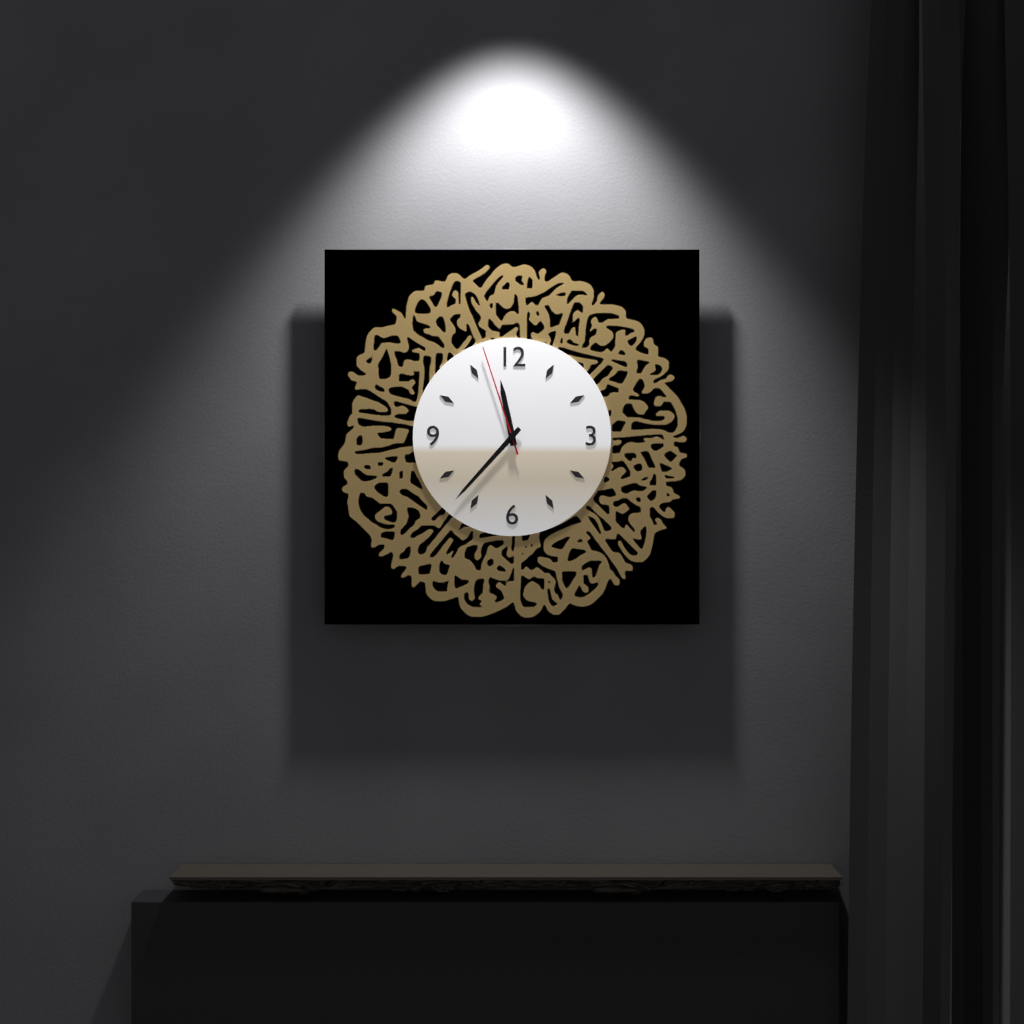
11:37:57
